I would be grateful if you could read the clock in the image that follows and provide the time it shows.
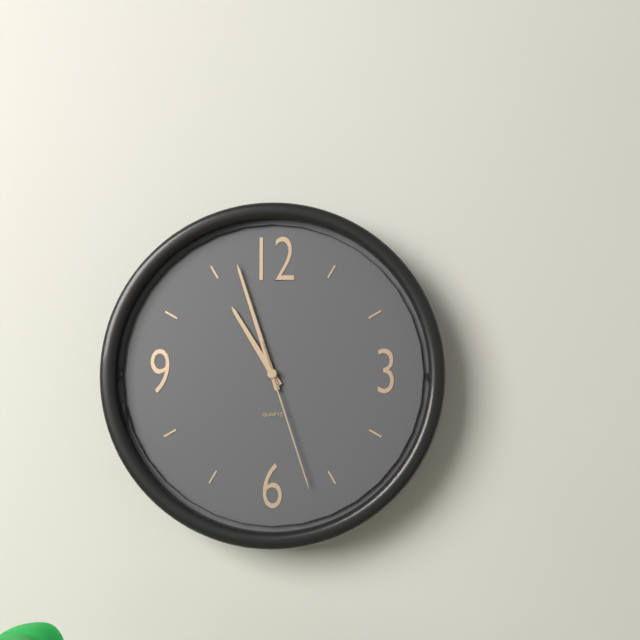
10:57:27
